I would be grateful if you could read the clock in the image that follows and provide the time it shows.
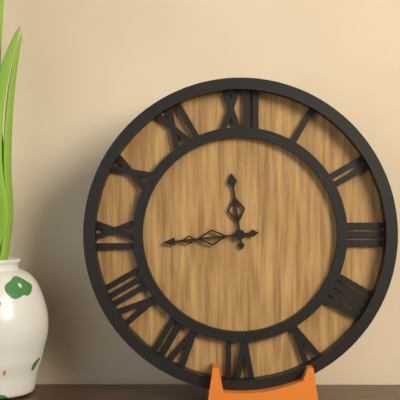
11:44
